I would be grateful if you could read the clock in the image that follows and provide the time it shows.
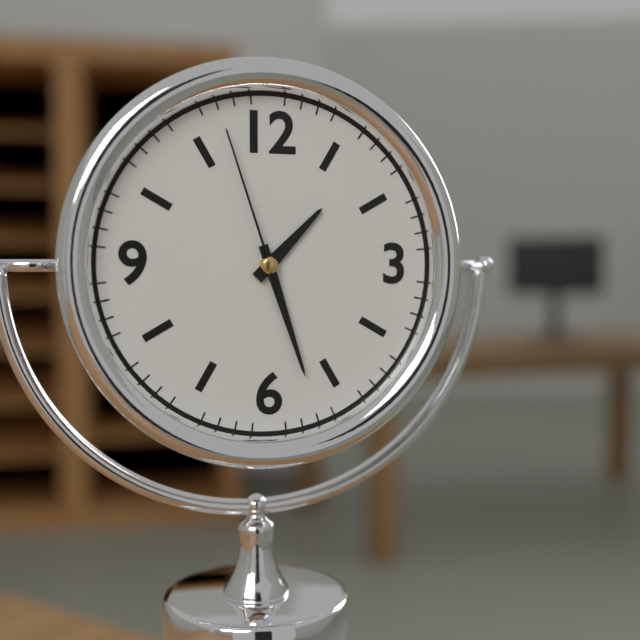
1:27:57
